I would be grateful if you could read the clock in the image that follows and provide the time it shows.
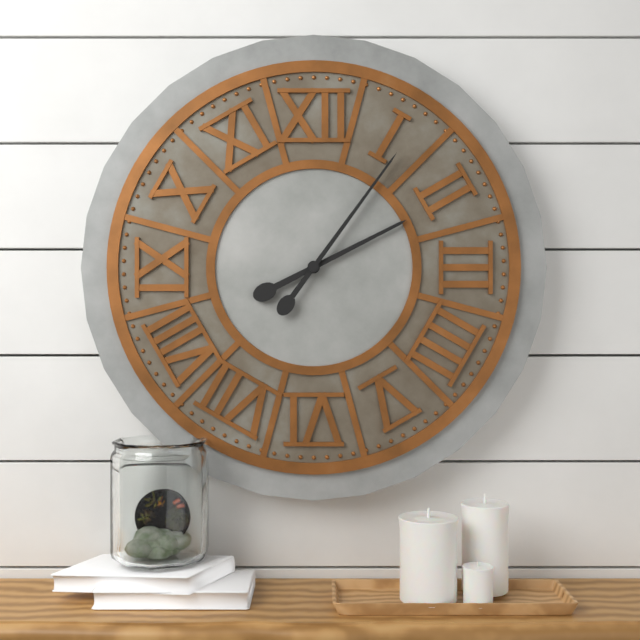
2:06
